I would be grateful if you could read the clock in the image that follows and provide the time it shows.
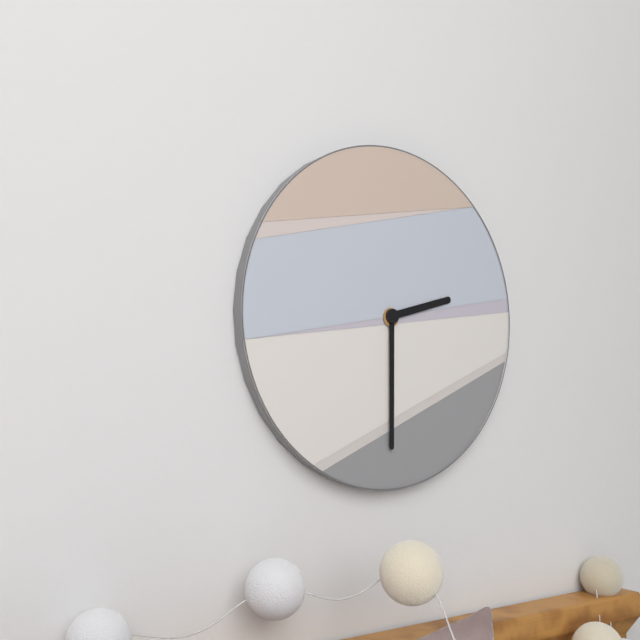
2:30
